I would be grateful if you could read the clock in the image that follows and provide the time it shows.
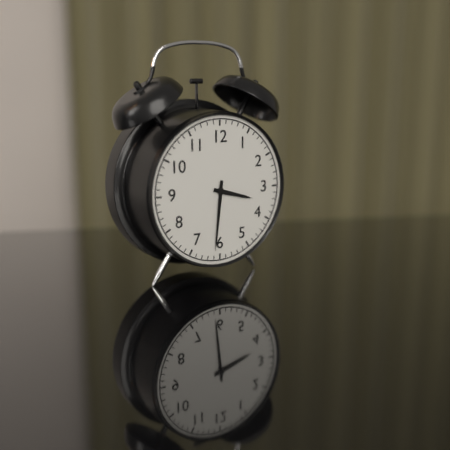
3:31
